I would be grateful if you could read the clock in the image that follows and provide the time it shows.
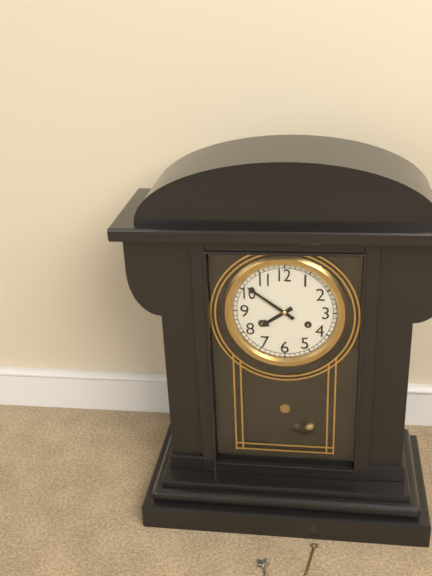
7:51
